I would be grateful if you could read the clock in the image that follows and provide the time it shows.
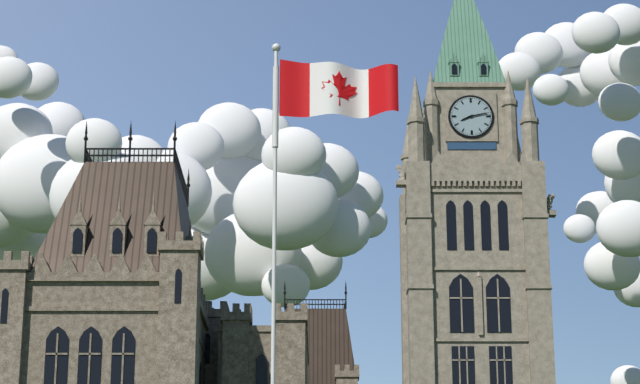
8:13
